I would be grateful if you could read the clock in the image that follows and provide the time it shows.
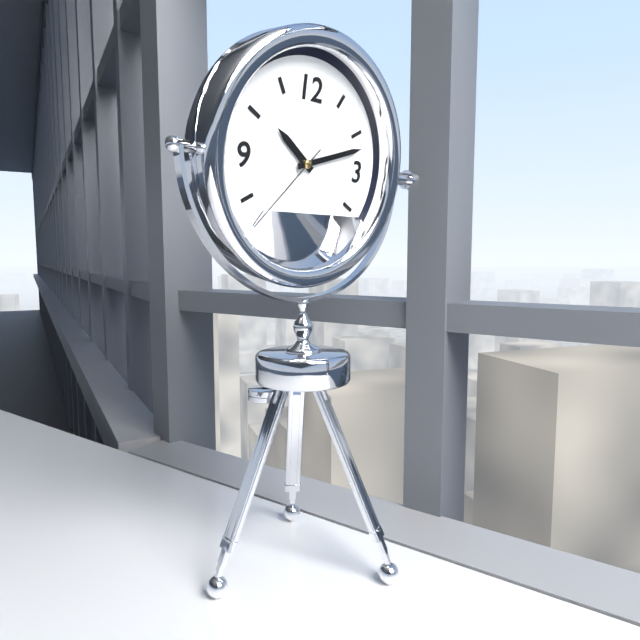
10:12:37
